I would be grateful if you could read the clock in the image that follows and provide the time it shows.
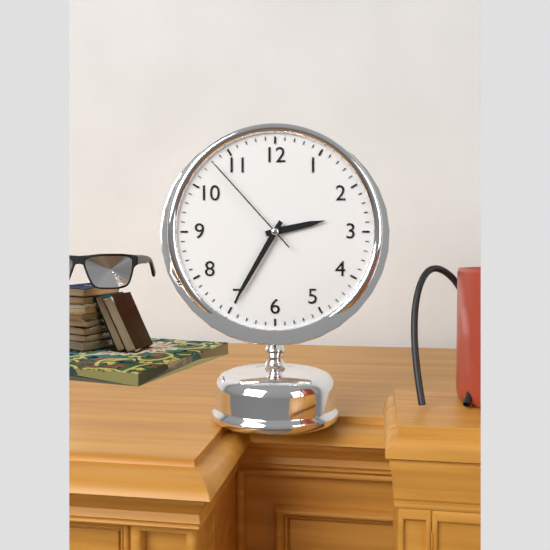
2:35:53
